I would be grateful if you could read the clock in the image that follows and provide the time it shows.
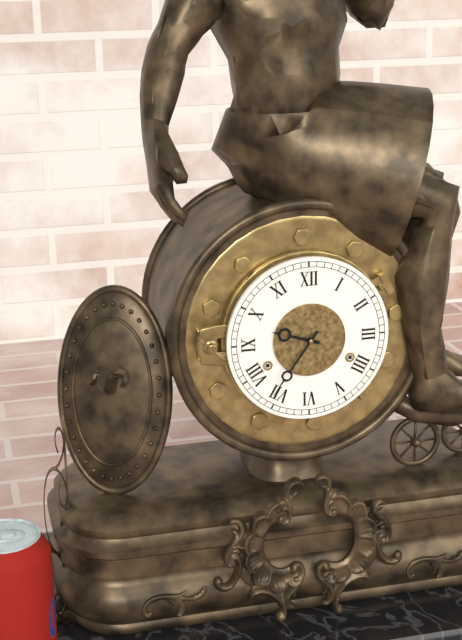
9:36
